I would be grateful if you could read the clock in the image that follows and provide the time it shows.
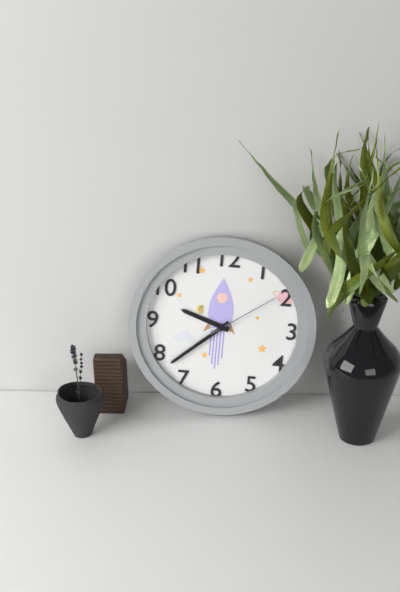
9:38:09
